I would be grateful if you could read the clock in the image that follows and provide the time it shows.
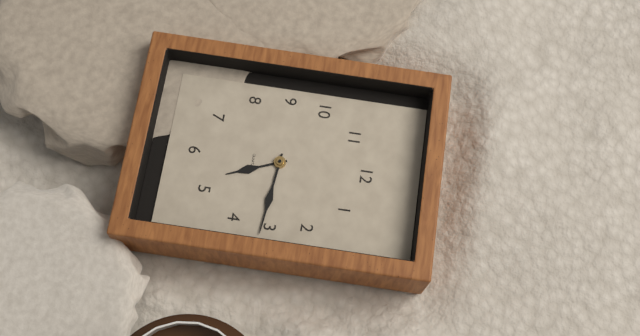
5:16
